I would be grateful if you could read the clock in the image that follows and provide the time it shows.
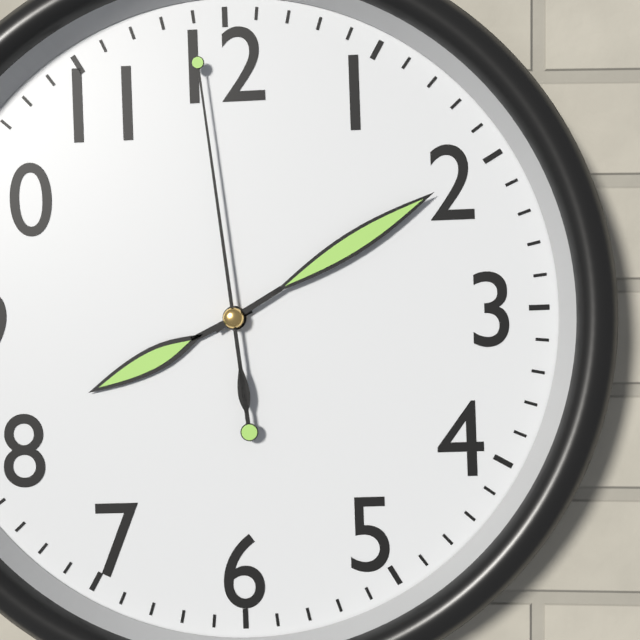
8:10:59
